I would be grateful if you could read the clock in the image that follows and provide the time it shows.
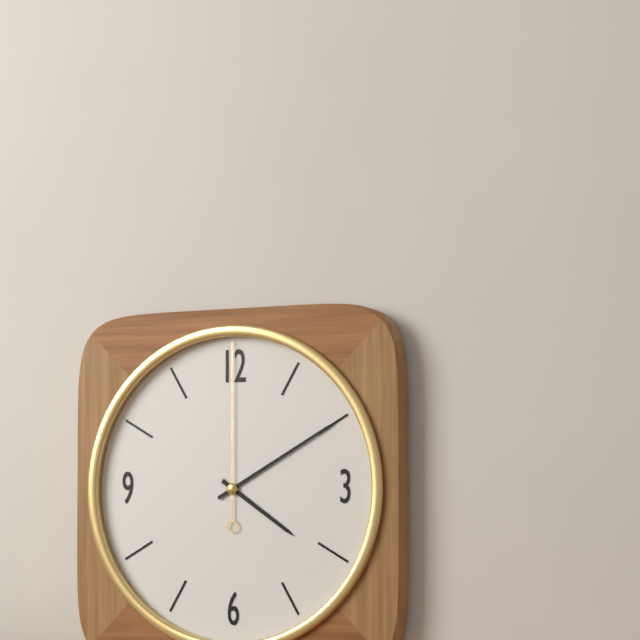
4:10:00
